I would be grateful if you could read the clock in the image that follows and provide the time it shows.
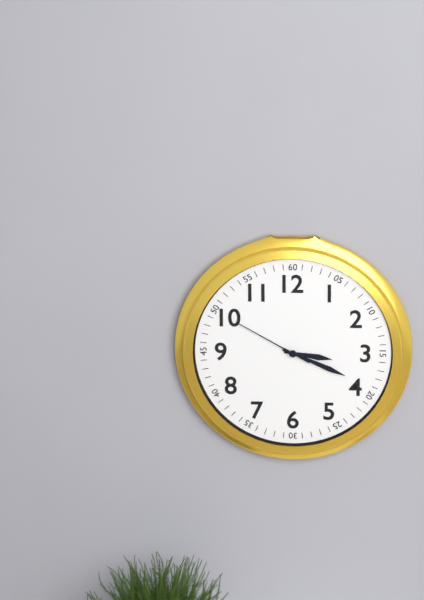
3:19:50
